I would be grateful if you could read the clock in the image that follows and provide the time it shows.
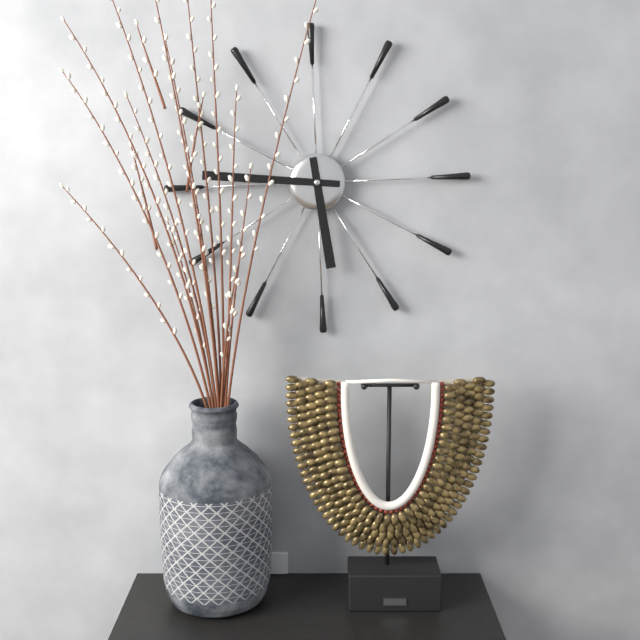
5:46
